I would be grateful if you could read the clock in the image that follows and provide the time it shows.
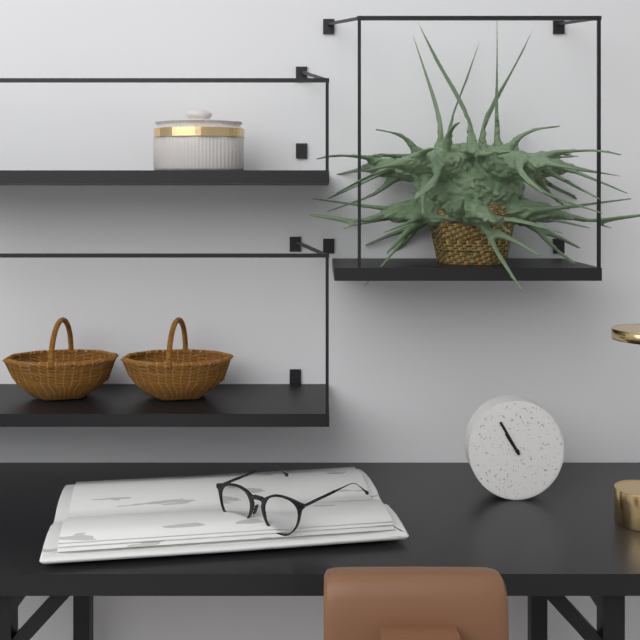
10:55
